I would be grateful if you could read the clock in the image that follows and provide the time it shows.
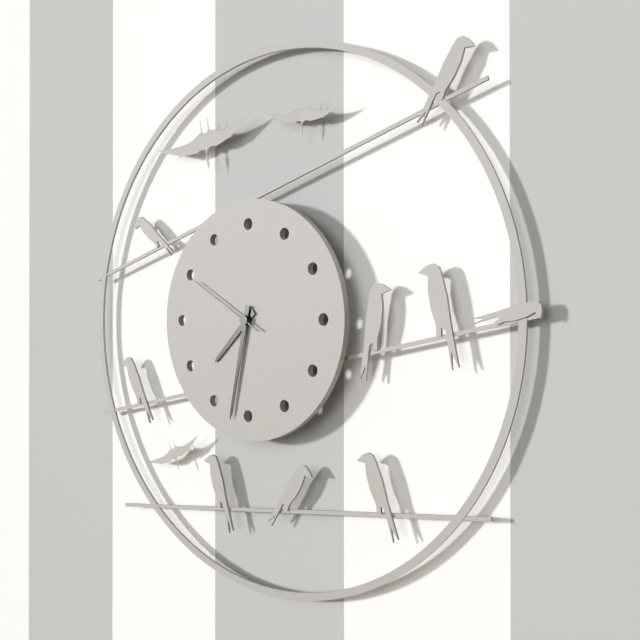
7:32:50
